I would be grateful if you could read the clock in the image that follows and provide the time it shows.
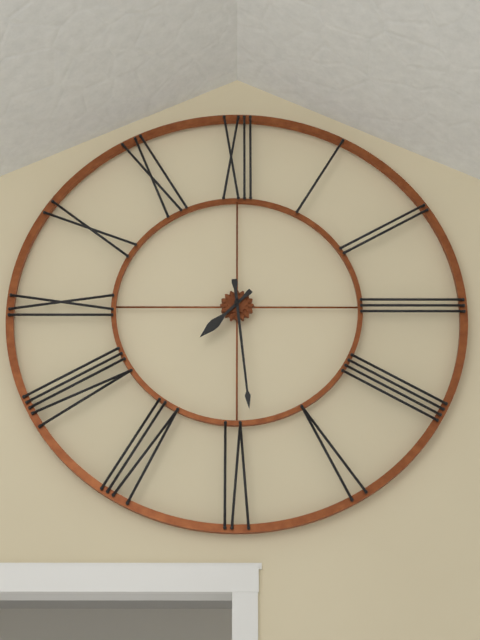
7:29
